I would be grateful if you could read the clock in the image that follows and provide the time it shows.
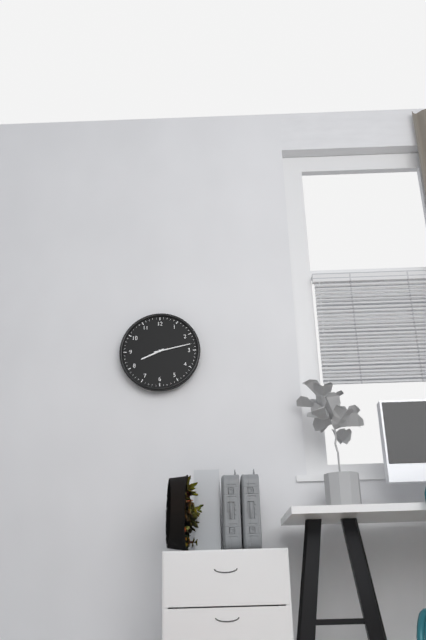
8:13
